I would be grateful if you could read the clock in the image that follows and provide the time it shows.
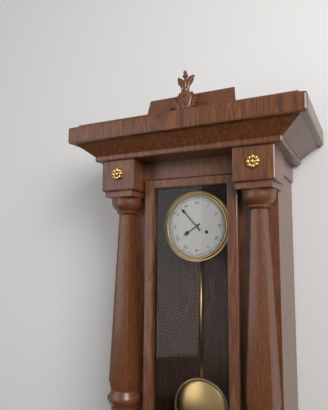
7:53
